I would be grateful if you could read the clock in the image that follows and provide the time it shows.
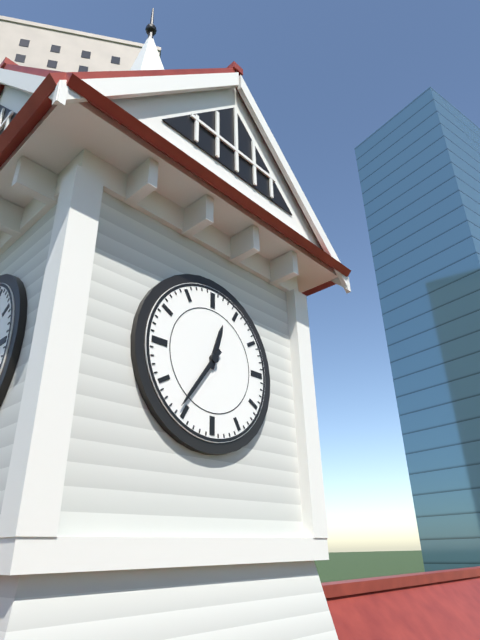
12:36
